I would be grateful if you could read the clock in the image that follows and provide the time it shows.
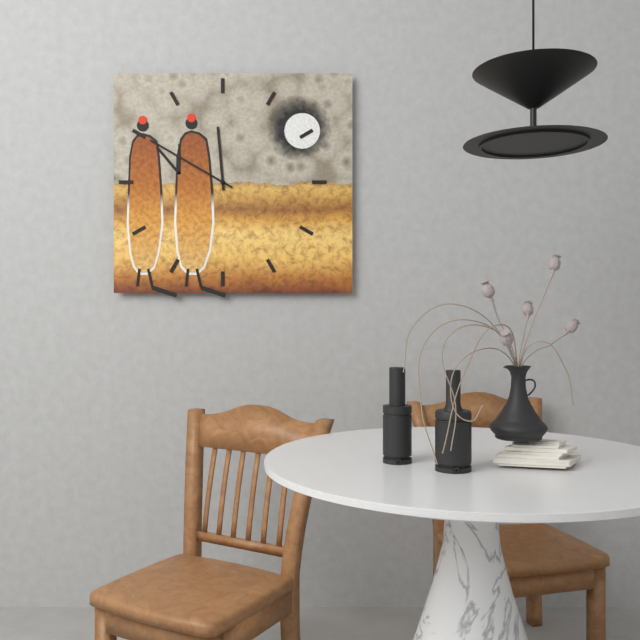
11:50
